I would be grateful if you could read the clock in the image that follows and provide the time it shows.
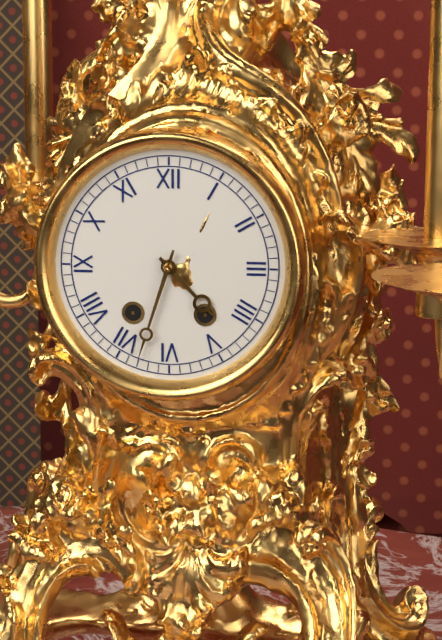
4:33
